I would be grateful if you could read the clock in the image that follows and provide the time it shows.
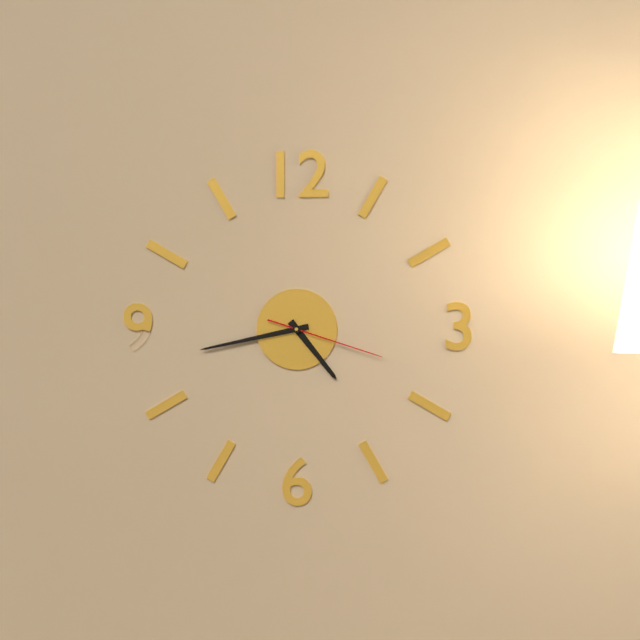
4:43:18
